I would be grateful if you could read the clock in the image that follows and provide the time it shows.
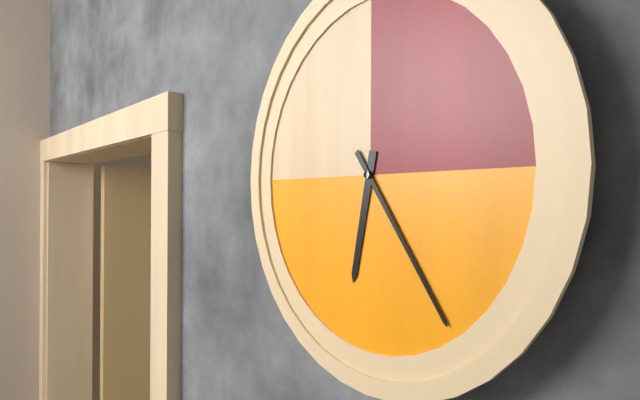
6:24
